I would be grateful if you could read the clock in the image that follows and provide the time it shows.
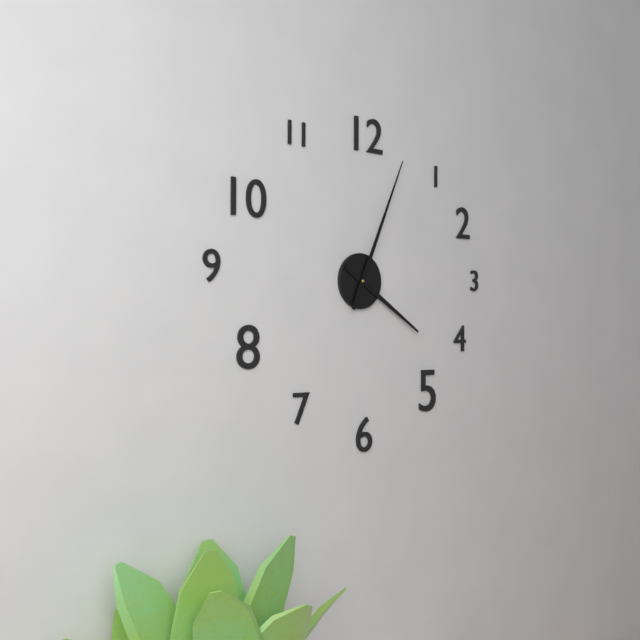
4:04
